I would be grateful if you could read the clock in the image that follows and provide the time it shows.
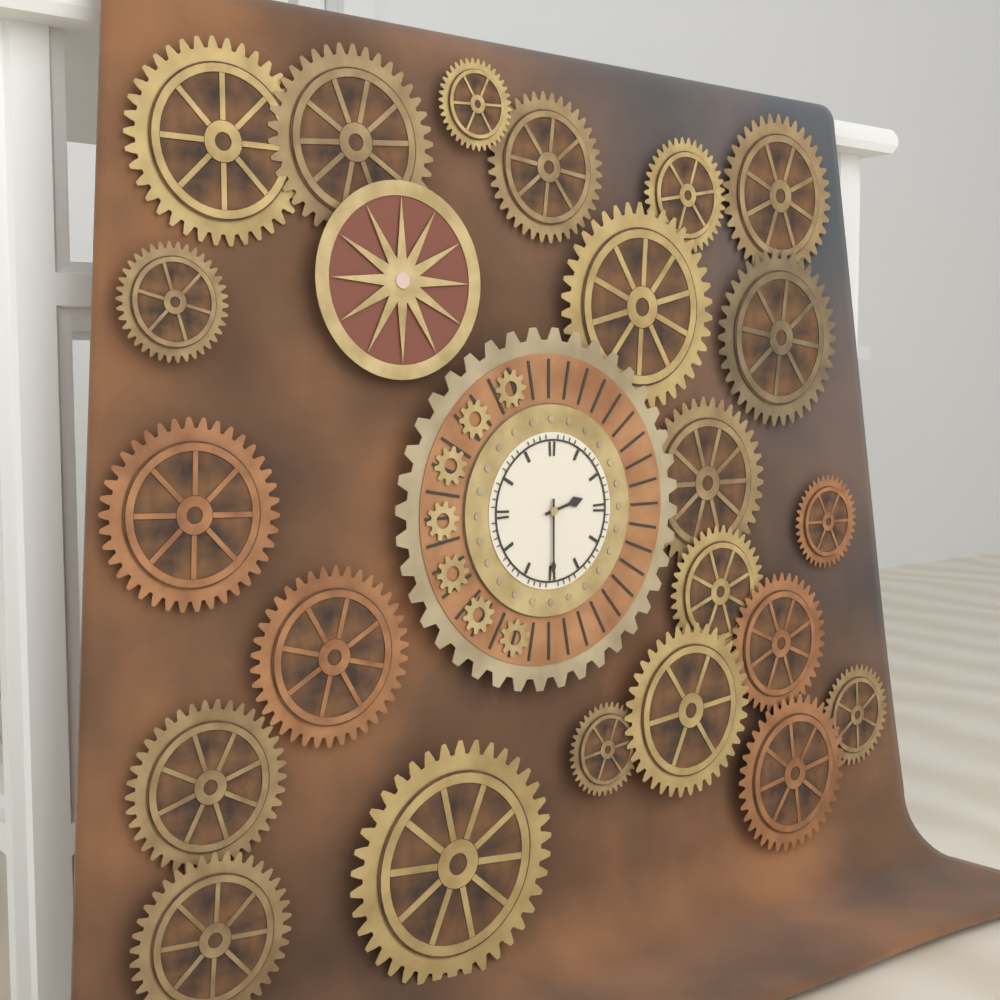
2:30
